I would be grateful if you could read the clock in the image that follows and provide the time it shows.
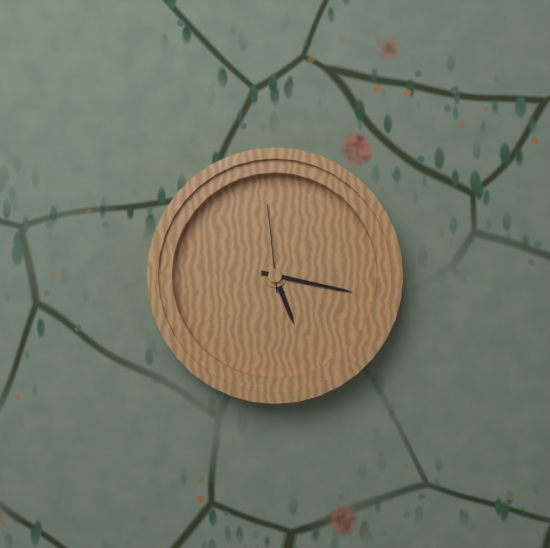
5:17:59
